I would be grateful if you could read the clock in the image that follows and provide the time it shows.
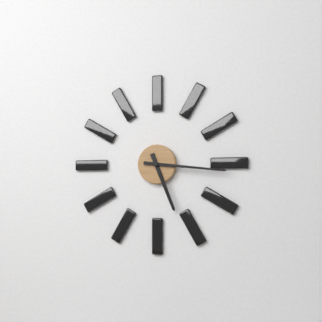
5:16
